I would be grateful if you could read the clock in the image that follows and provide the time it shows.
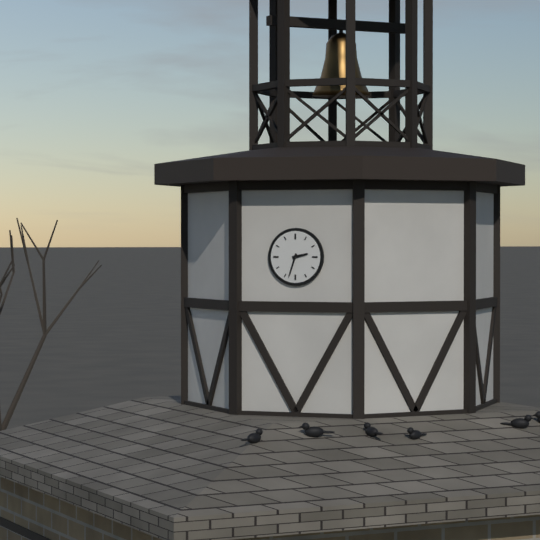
2:33
